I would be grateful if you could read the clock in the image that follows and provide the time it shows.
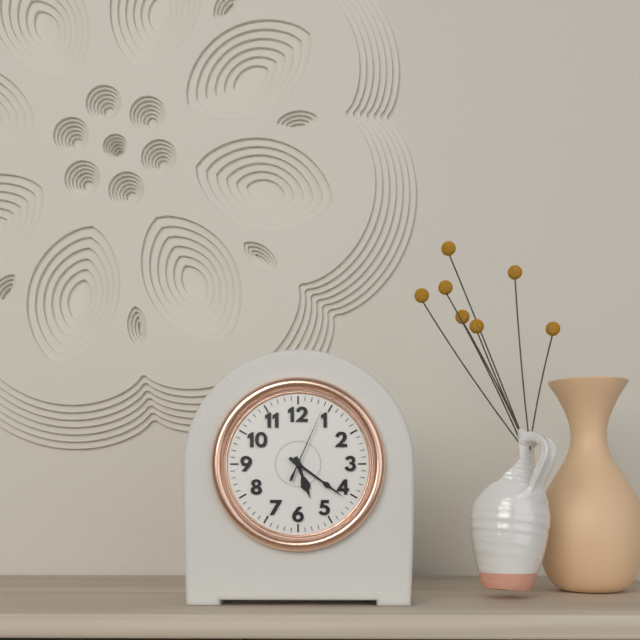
5:21:04
